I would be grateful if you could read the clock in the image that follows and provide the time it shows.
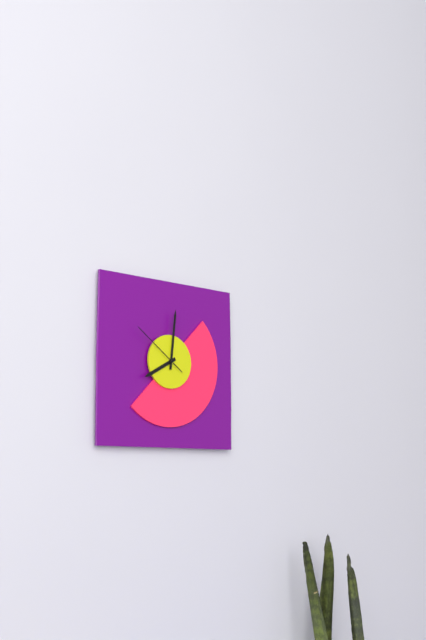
8:01:51
